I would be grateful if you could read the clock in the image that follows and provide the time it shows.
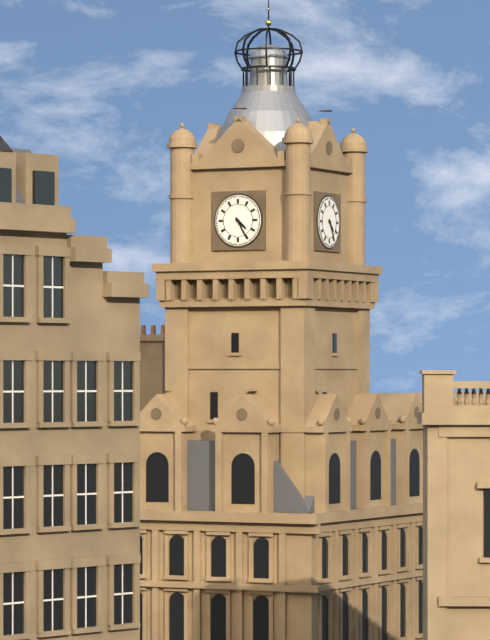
4:25
